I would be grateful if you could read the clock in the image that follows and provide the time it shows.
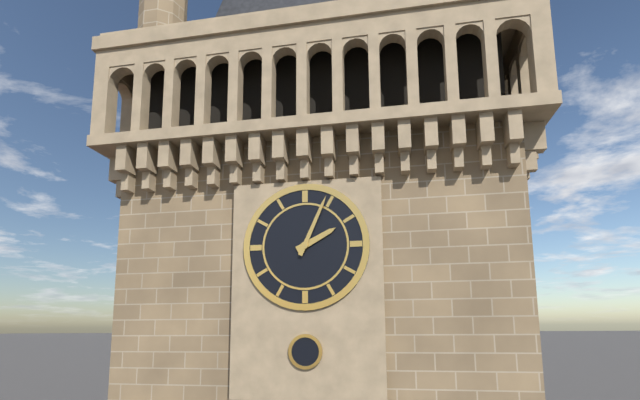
2:04
